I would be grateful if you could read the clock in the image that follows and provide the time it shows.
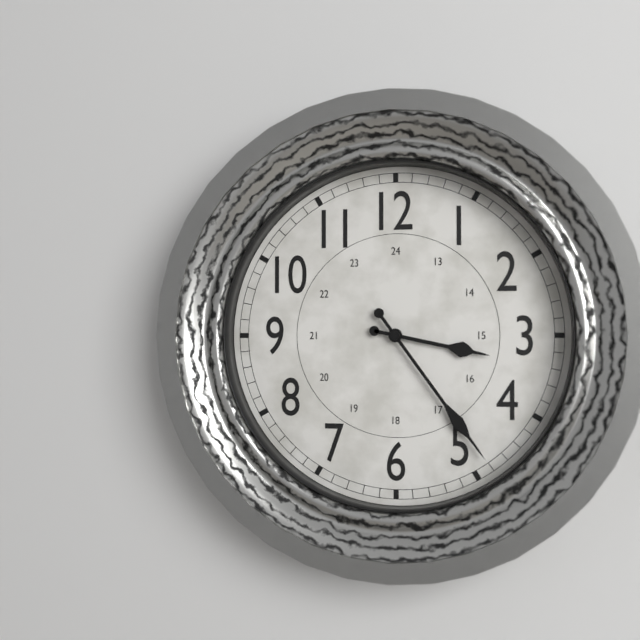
3:24
